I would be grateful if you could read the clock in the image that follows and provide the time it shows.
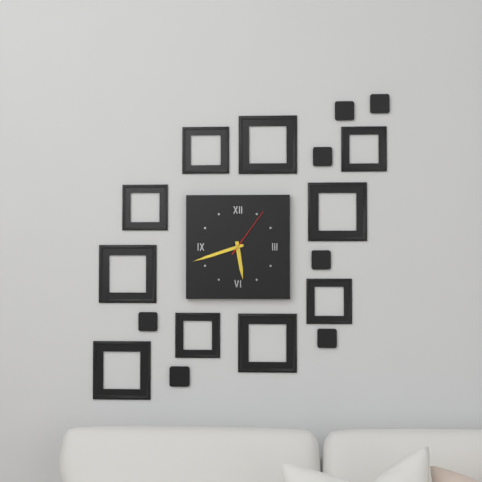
5:42:06
